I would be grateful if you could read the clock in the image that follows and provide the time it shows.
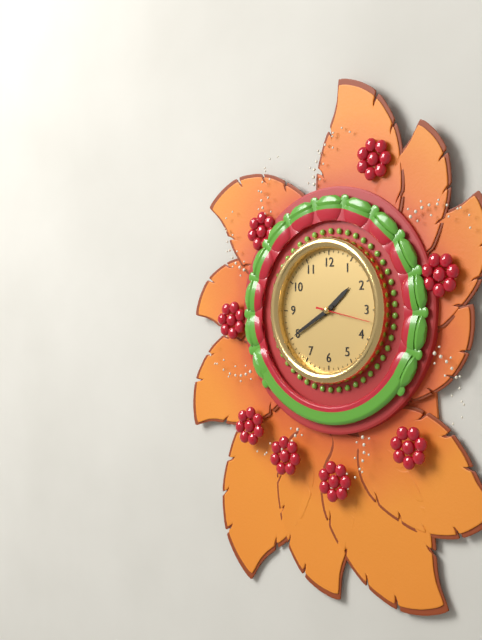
1:40:17
